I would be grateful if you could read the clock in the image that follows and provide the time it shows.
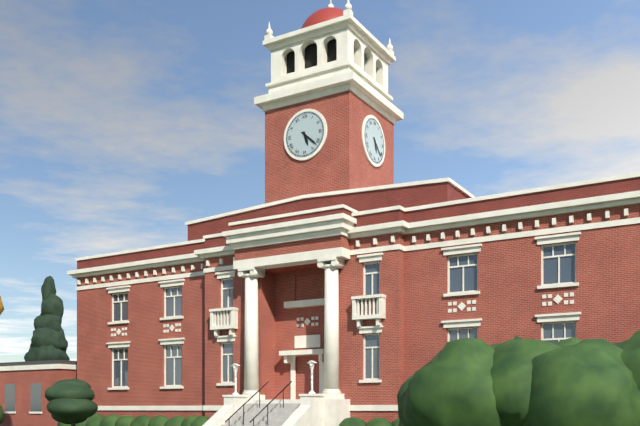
5:22
